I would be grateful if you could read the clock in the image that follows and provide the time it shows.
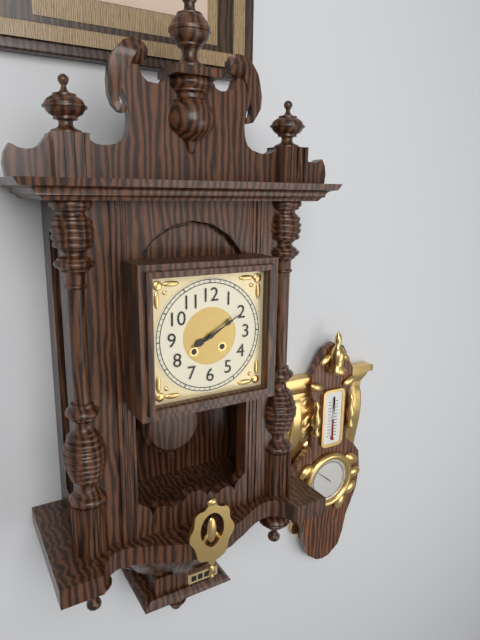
8:10
